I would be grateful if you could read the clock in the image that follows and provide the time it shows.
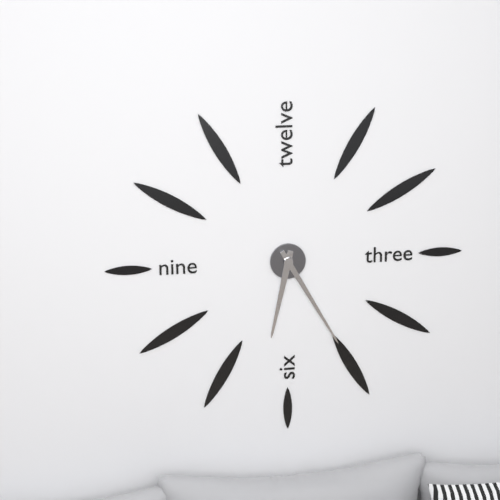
6:25
